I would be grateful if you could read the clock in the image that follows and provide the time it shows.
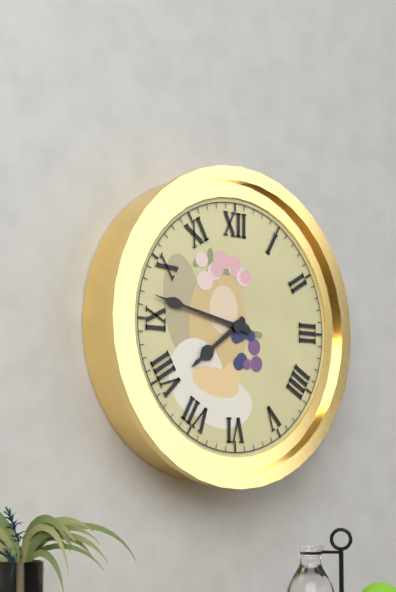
7:47
